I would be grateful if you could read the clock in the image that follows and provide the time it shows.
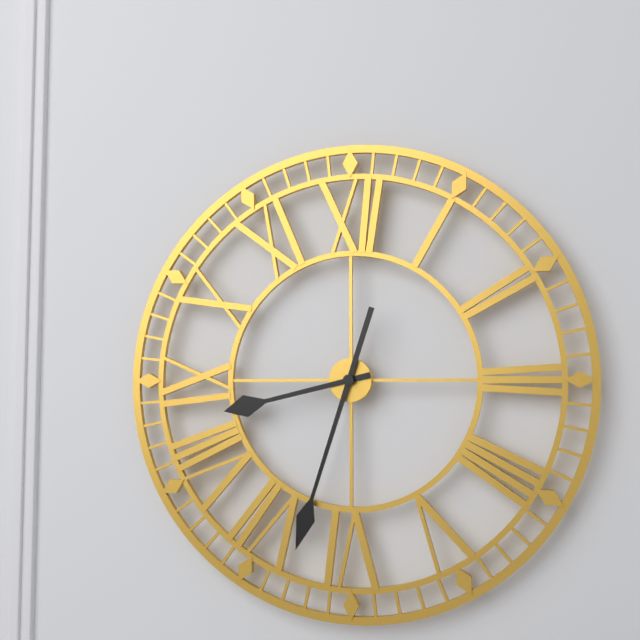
8:33
